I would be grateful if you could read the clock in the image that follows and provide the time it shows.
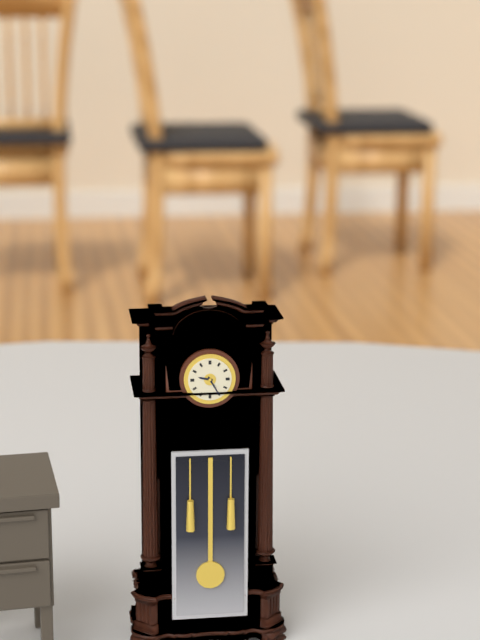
9:25
